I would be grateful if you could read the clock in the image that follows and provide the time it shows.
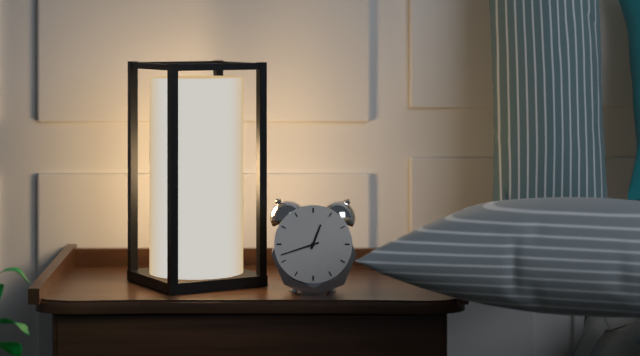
12:42
